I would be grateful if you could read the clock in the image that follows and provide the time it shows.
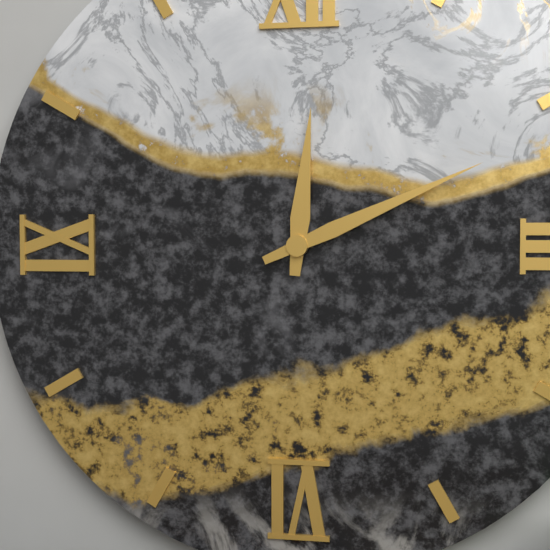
12:11
